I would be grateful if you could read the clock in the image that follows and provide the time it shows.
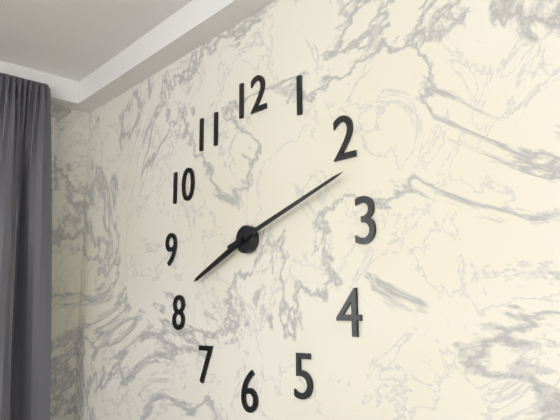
8:12
